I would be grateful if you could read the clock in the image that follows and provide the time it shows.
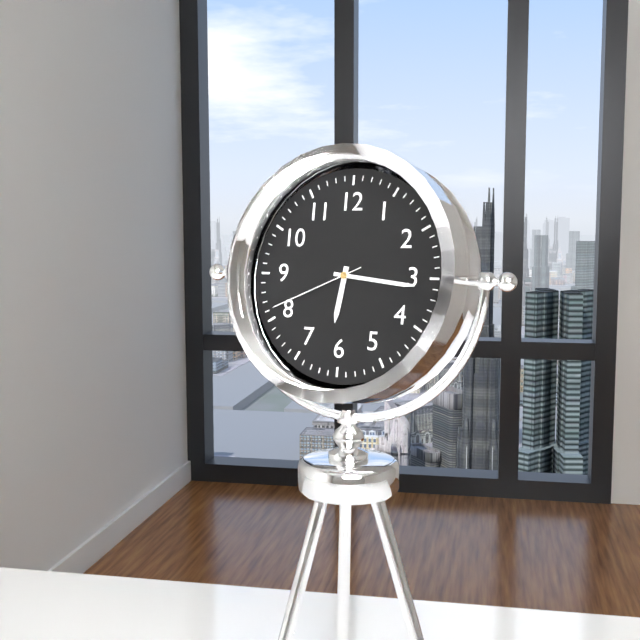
6:16:41
